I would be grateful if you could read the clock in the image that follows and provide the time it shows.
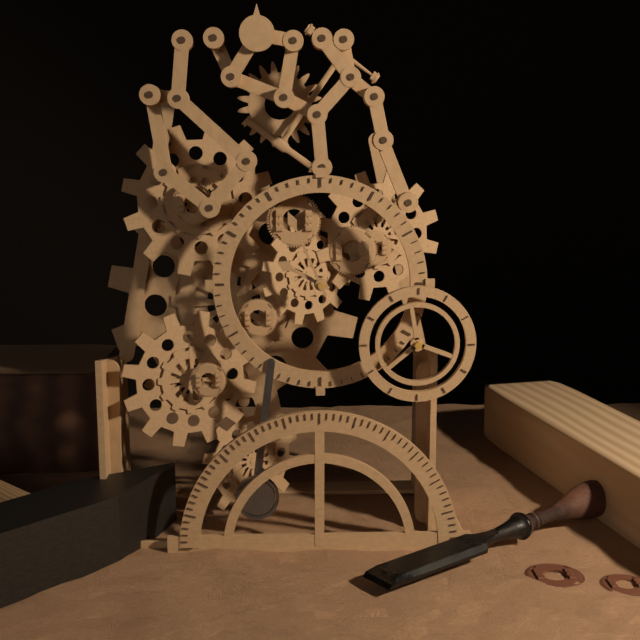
9:56
